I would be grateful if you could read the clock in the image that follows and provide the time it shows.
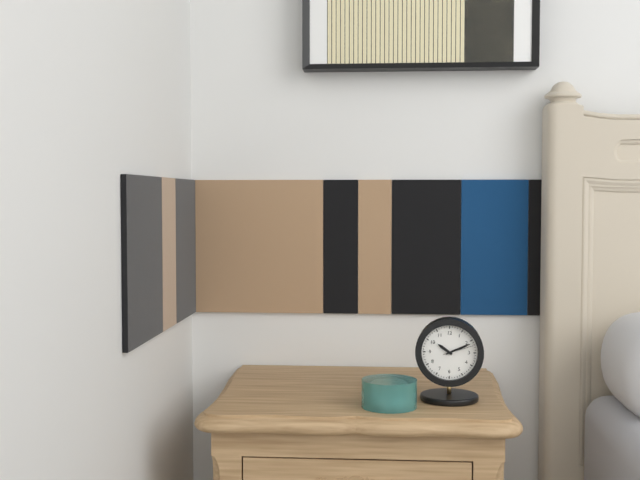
10:11
